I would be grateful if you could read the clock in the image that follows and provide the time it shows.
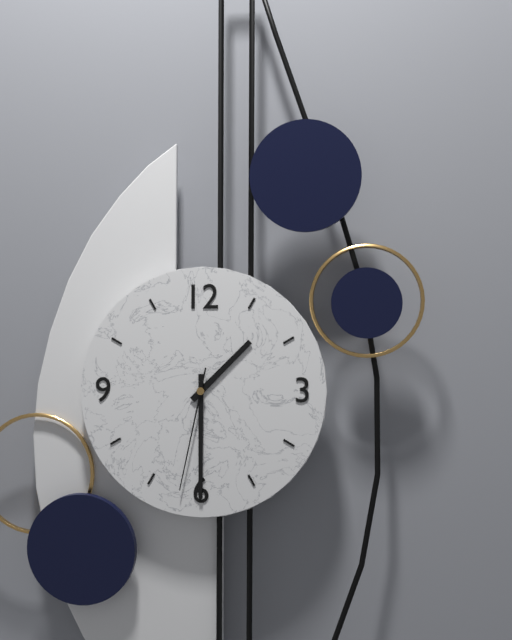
1:30:32
